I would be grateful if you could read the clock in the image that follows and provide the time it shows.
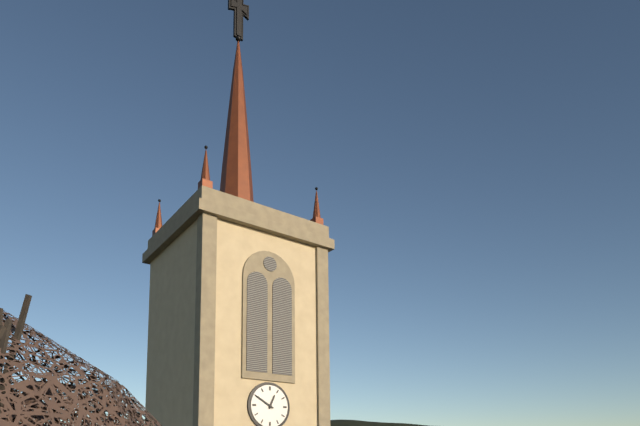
12:50
